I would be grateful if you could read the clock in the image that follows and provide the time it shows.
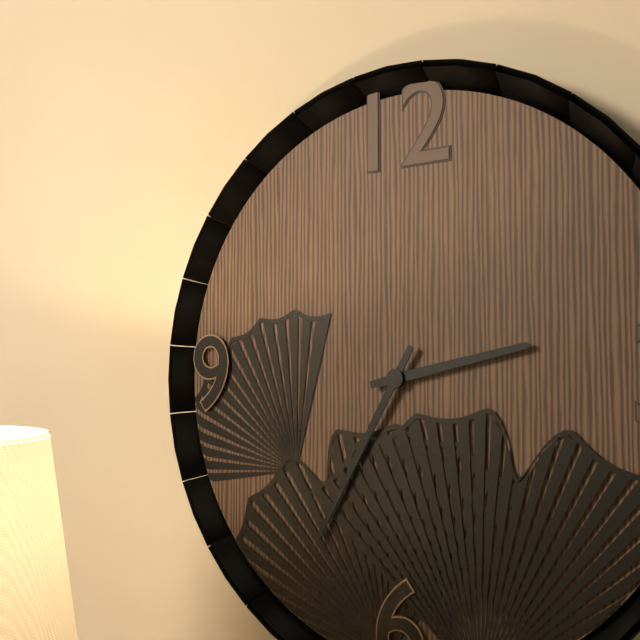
2:35
